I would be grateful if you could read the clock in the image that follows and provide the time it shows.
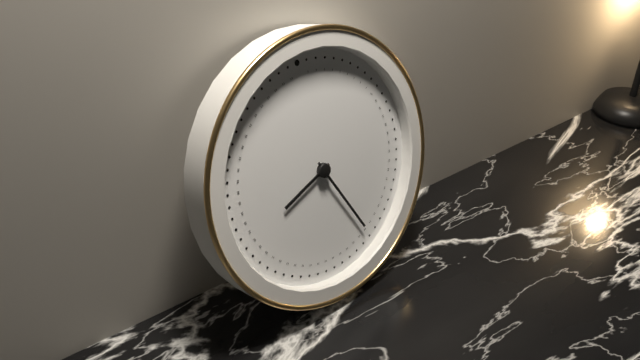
8:26
